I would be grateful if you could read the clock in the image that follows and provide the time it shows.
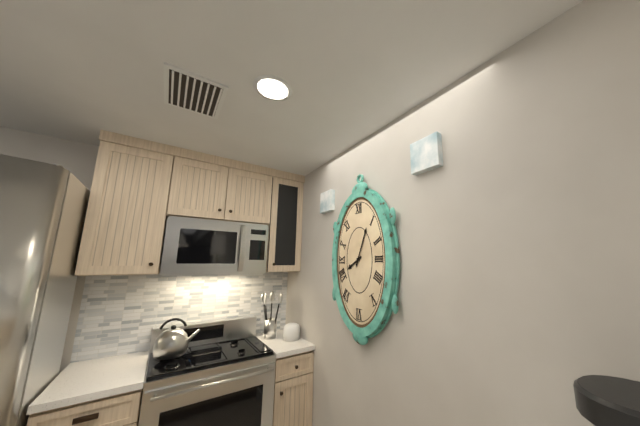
8:04
